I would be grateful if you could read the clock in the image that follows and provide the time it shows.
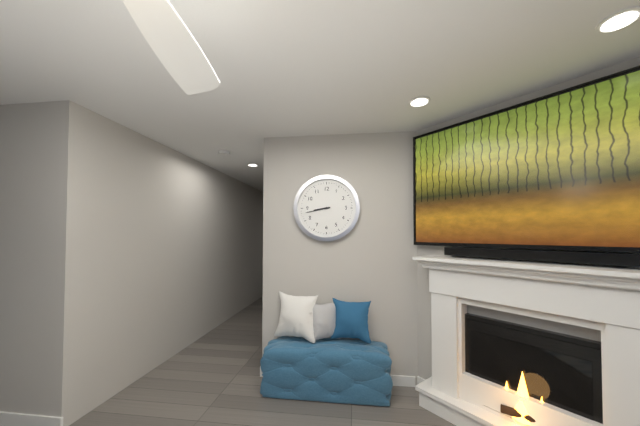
8:43
